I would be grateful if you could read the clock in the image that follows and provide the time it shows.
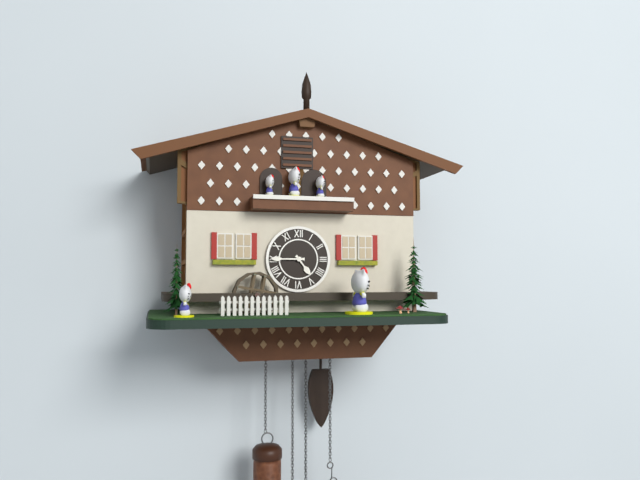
4:45
